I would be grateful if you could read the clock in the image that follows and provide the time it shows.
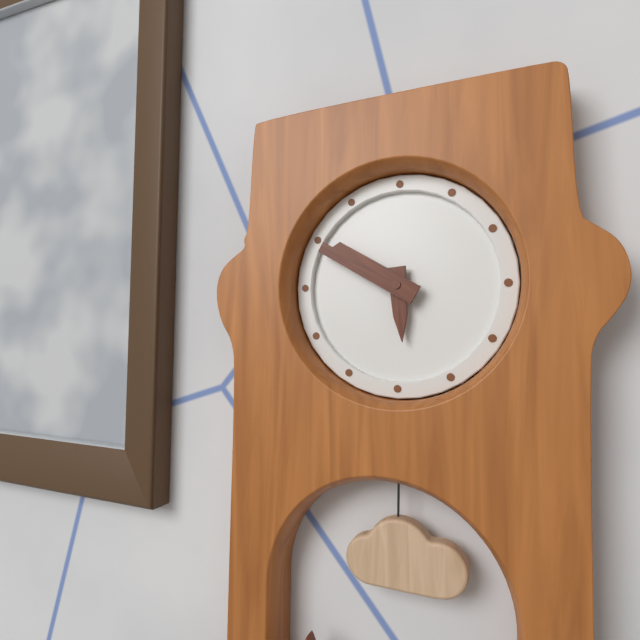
5:50
